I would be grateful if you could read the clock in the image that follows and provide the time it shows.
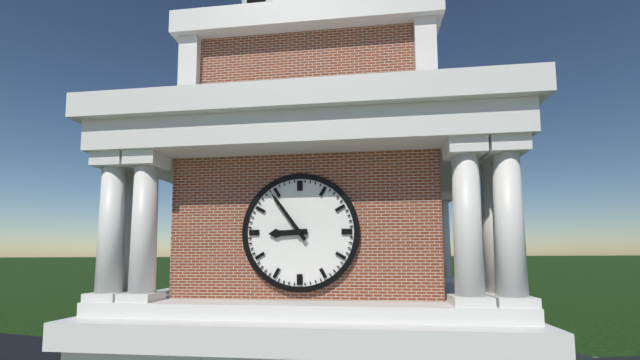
8:54
